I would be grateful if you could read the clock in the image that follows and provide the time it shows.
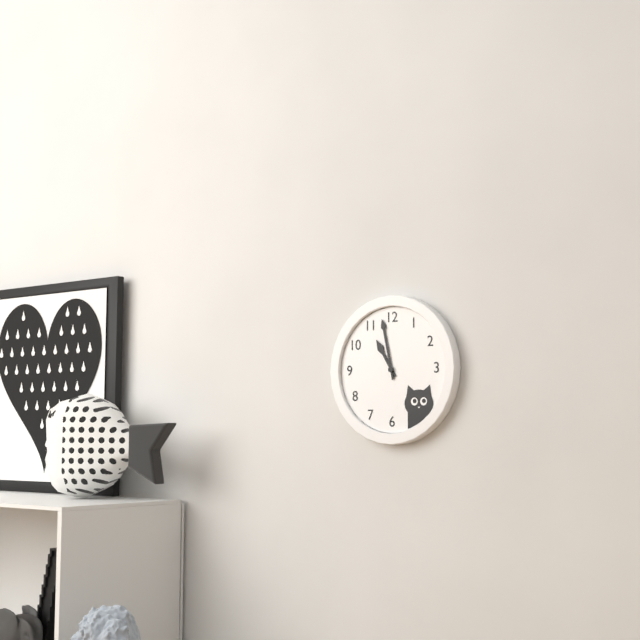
10:58
